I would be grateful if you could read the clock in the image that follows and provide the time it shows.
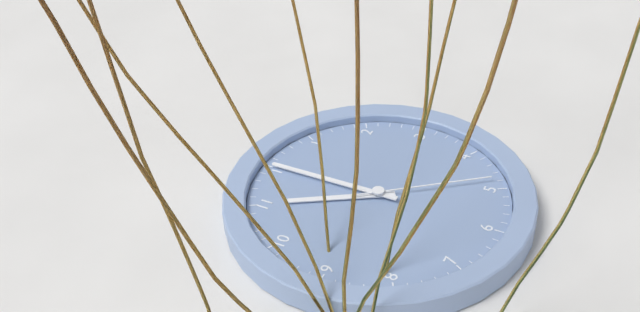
11:00:24
